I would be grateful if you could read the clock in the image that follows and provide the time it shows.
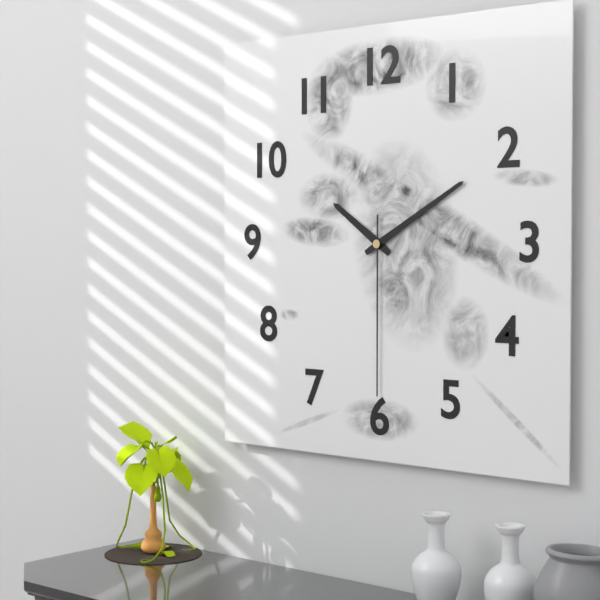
10:10:30
